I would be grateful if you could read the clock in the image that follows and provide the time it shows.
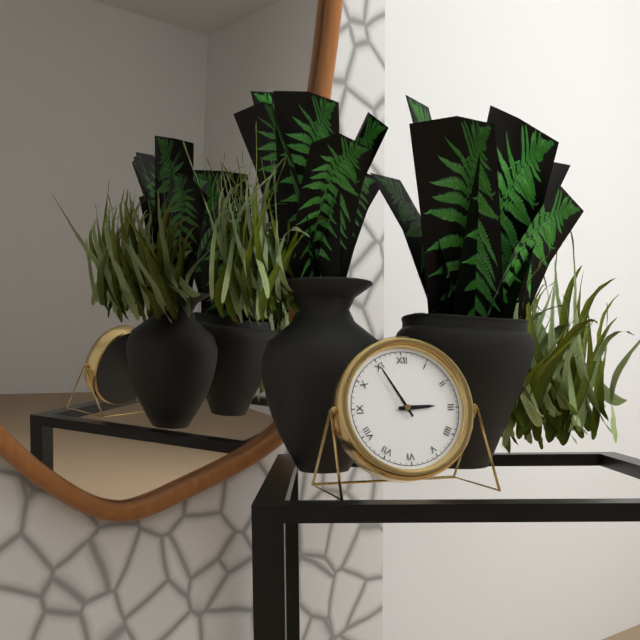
2:55
